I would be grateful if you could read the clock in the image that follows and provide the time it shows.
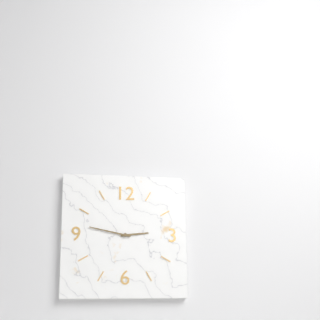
2:47
